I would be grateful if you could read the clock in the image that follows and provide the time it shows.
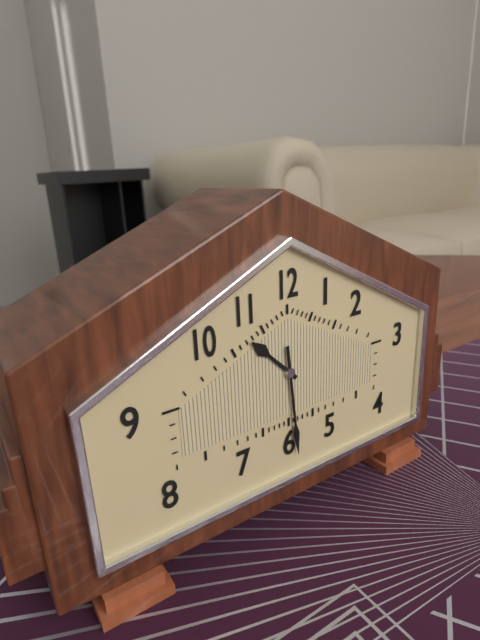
10:29
